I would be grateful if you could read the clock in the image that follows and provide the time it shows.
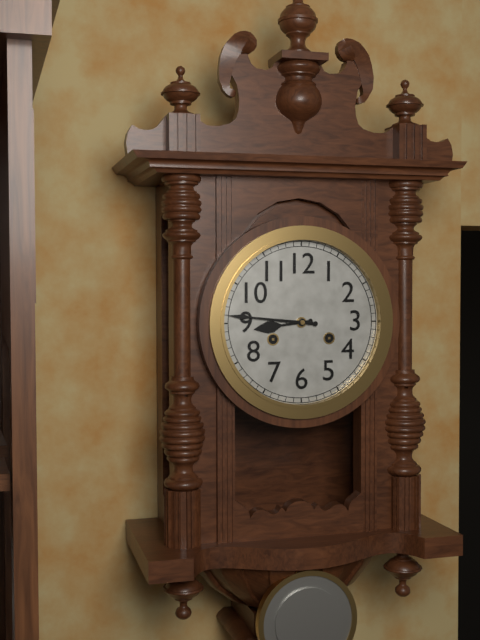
8:46
